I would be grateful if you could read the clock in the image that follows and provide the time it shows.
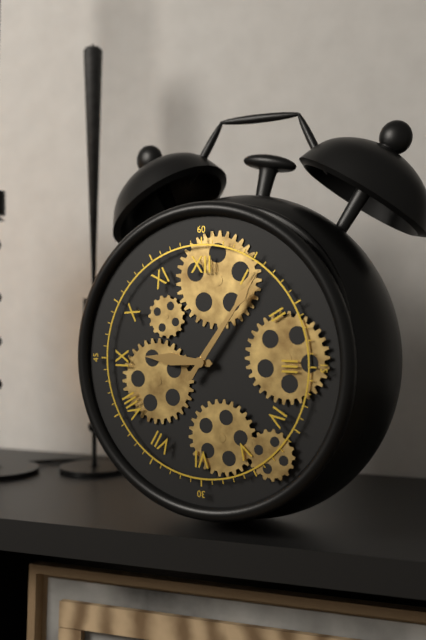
9:06
